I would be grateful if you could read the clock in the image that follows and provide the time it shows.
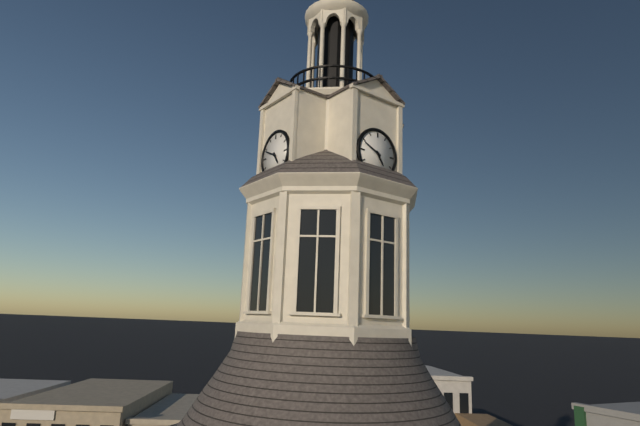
4:49
